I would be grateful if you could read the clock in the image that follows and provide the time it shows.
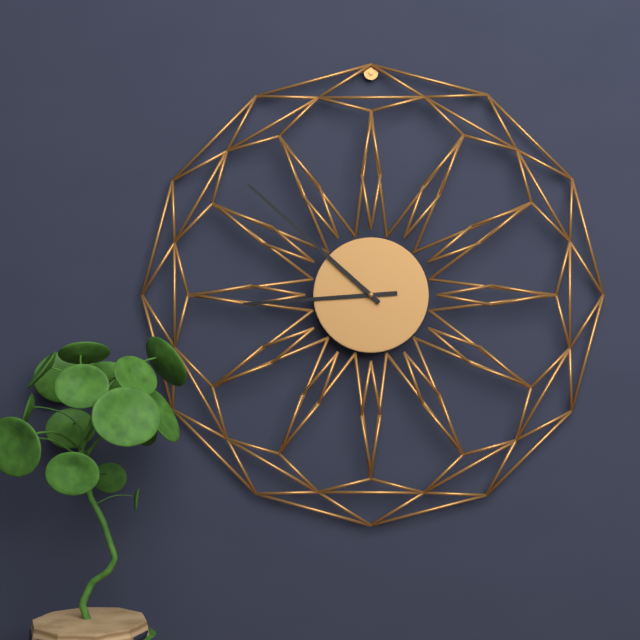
8:52
